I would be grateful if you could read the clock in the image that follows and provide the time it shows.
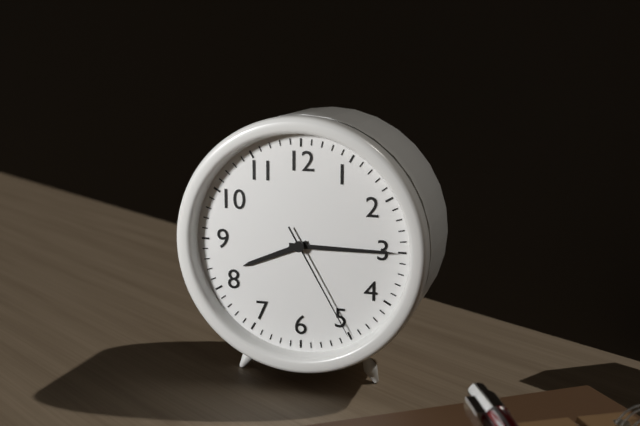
8:15:25
